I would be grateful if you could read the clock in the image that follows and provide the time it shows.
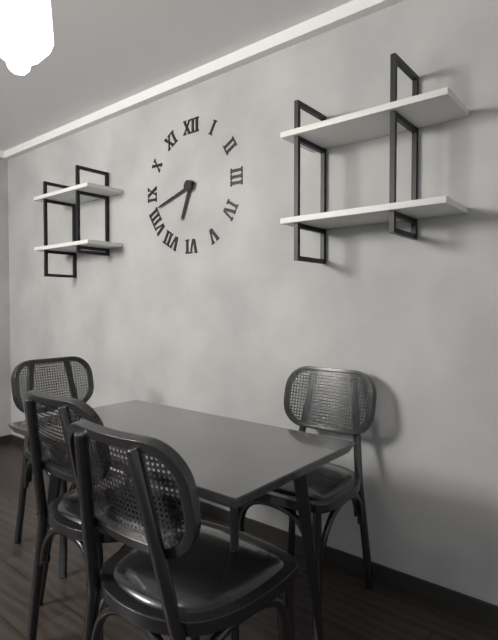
6:42
